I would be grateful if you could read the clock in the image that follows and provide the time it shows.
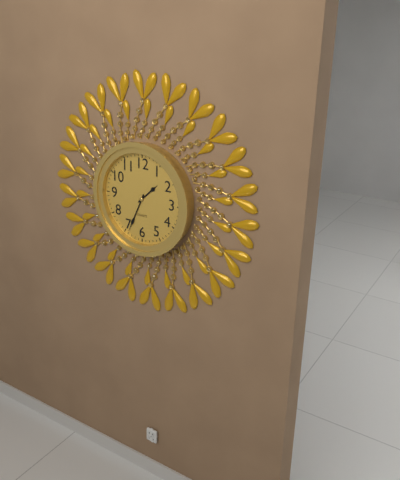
1:34
